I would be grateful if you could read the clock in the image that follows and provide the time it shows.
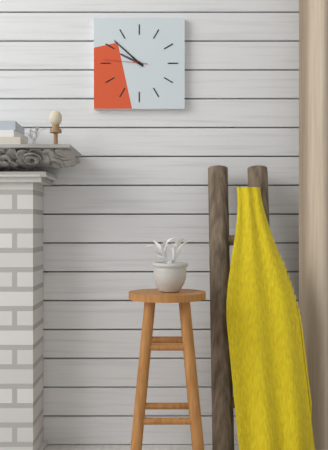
9:52
